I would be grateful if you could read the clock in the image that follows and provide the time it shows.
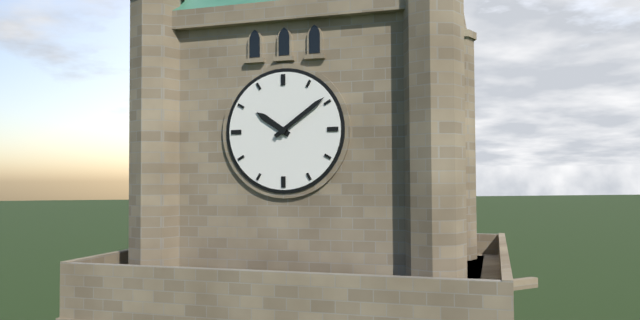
10:09
